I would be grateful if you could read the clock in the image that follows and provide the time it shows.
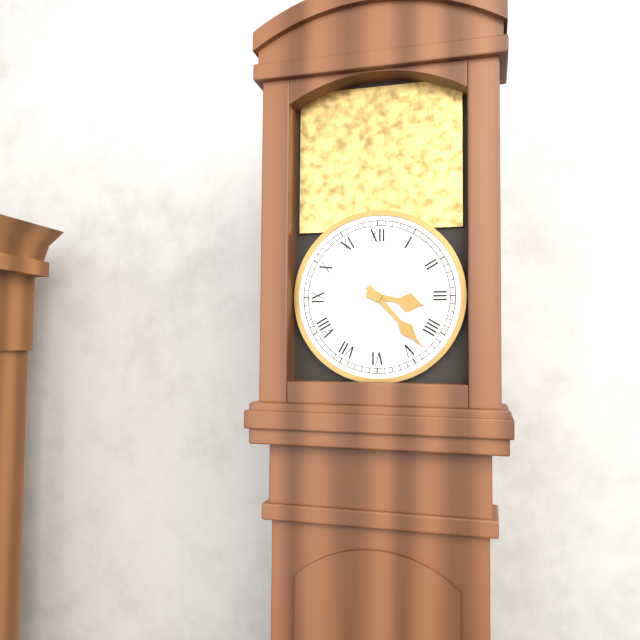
3:23
